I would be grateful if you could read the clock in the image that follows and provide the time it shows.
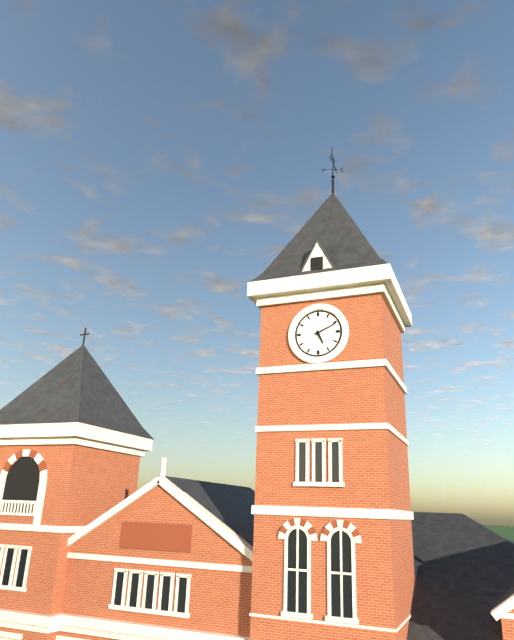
5:11
